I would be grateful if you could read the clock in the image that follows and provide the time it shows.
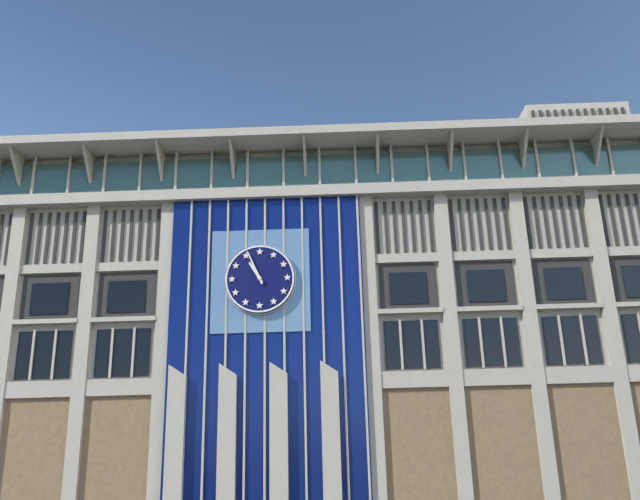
10:56
